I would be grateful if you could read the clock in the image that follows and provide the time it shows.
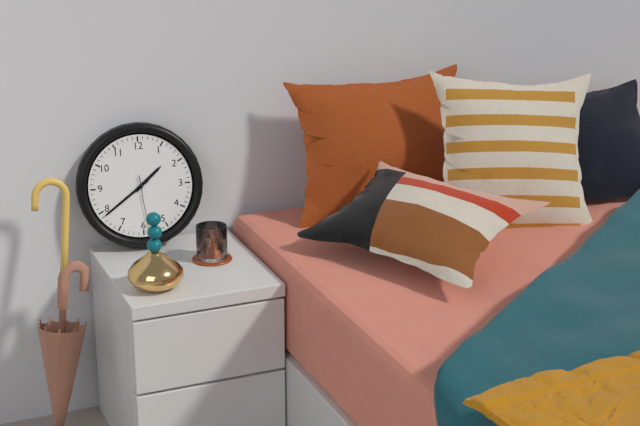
1:39:29
